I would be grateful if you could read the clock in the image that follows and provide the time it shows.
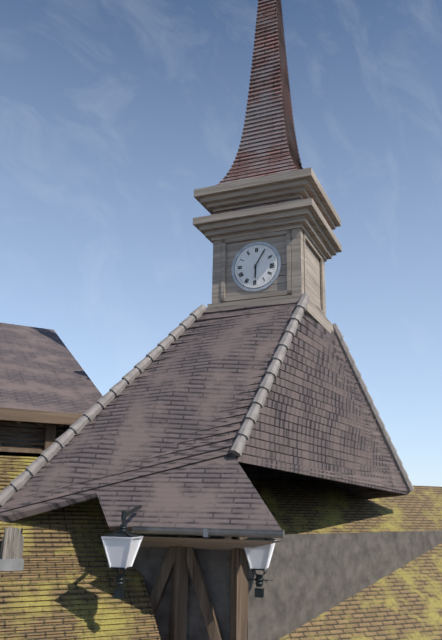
6:05
